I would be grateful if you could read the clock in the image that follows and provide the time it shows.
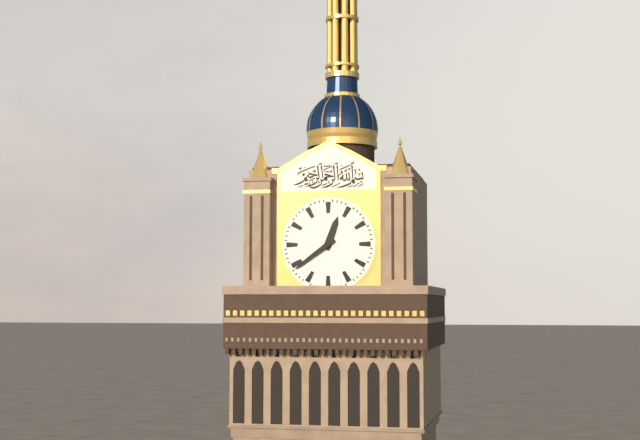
12:39
